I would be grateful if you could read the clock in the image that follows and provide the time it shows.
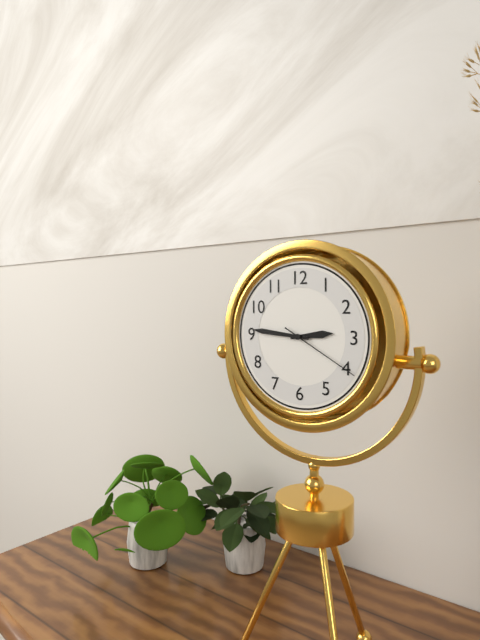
2:46:20
